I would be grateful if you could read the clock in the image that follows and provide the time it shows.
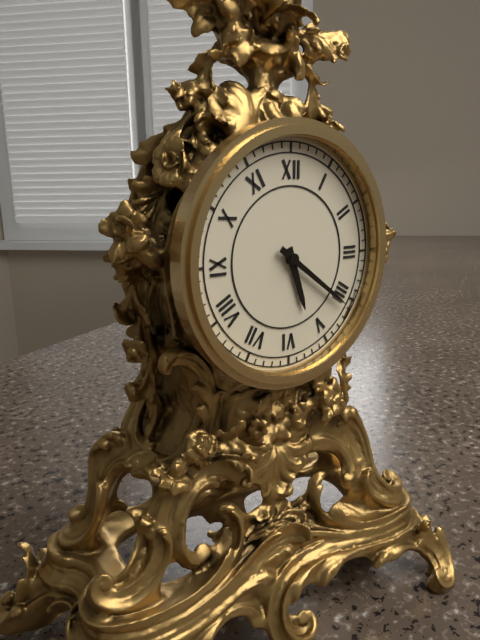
5:21
